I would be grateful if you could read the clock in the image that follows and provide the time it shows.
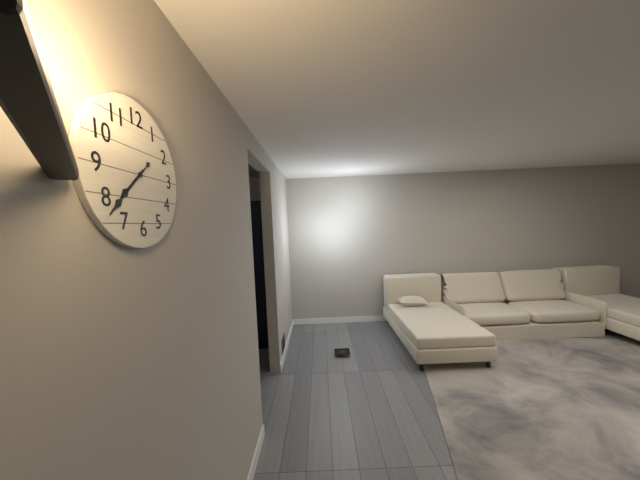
7:38
